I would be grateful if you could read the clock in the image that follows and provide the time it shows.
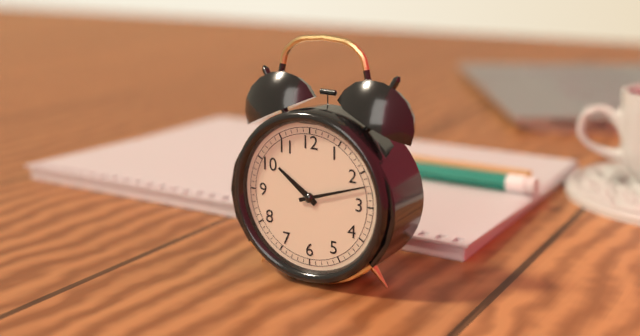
10:12
